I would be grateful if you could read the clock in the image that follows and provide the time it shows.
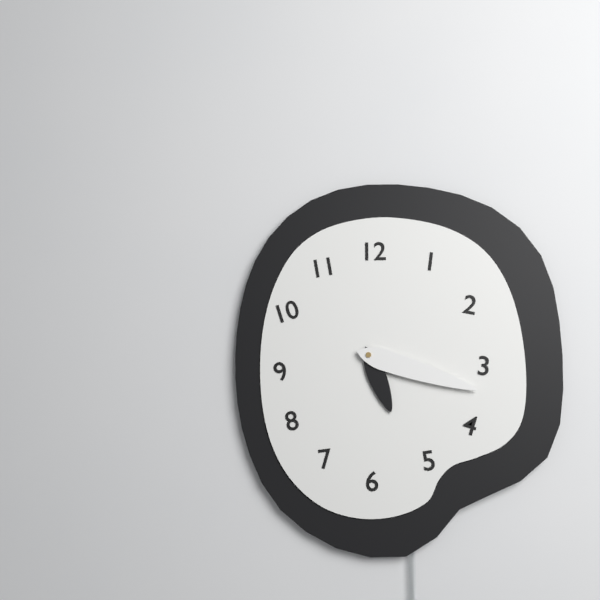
5:18
